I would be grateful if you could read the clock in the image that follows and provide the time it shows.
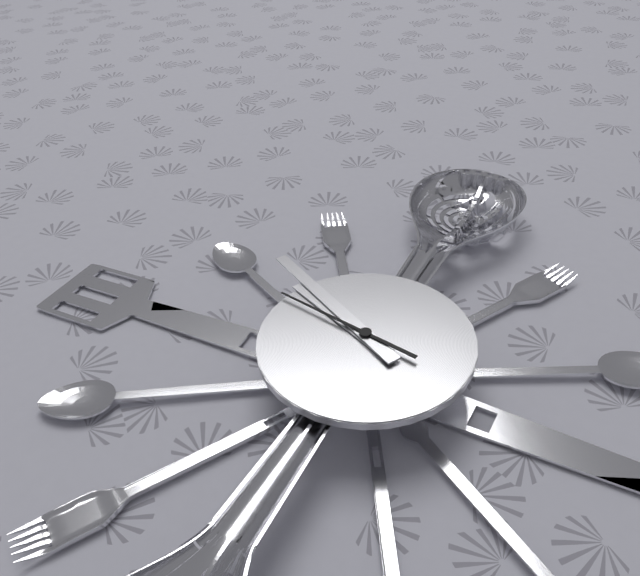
9:50:47
